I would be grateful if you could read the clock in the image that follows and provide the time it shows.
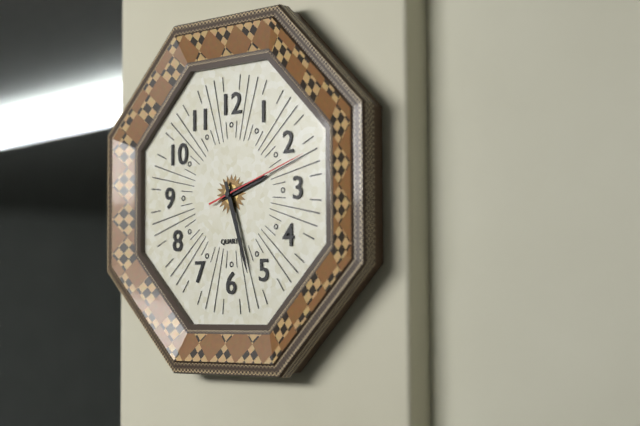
2:27:12
